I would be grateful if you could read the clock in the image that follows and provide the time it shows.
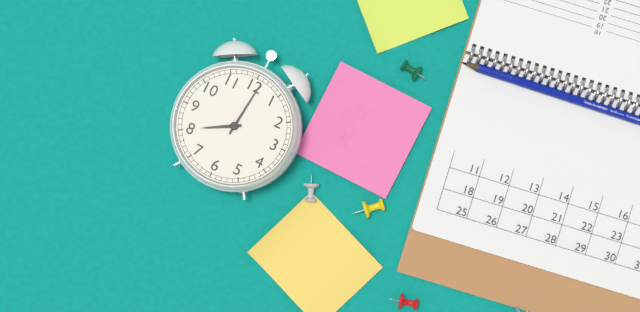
8:01
